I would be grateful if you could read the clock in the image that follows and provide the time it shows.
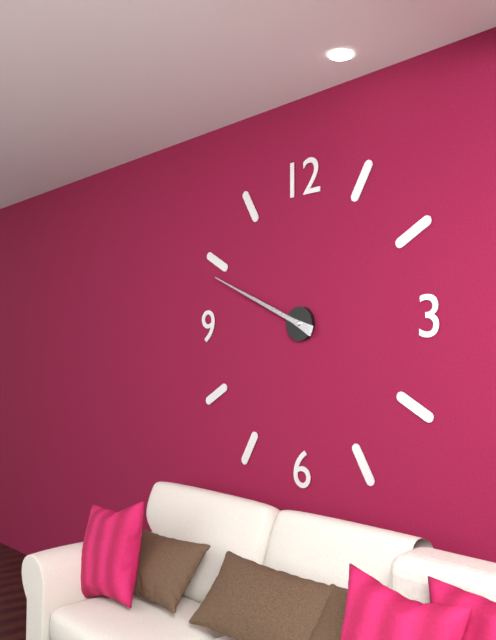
9:49
